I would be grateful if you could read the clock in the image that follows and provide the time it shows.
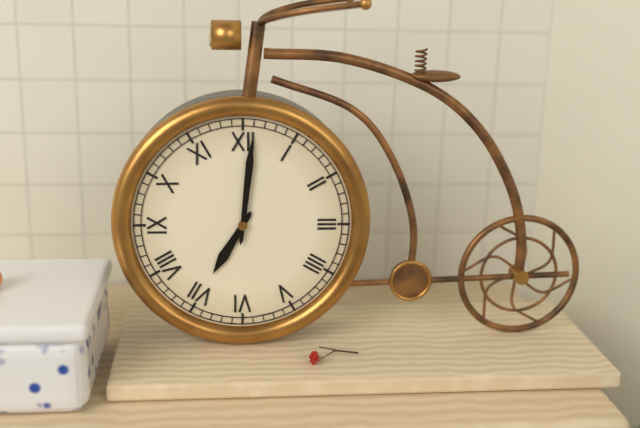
7:01
